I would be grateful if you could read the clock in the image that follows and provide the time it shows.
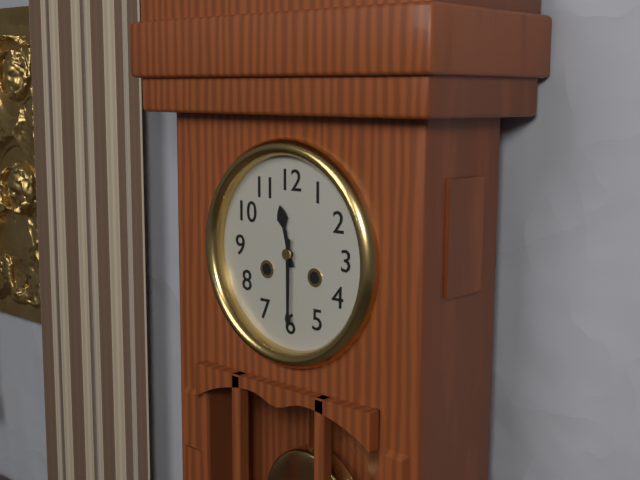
11:30
